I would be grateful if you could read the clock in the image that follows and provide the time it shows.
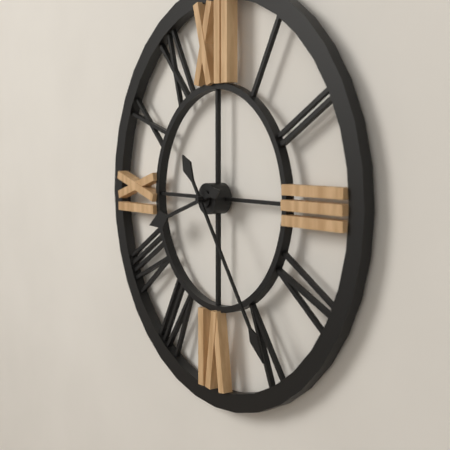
8:24
